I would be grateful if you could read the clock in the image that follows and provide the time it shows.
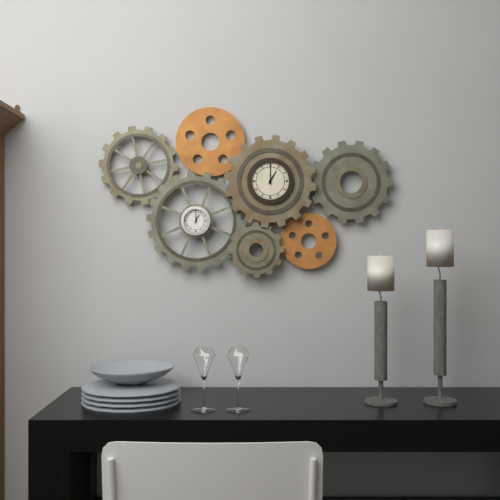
1:00
